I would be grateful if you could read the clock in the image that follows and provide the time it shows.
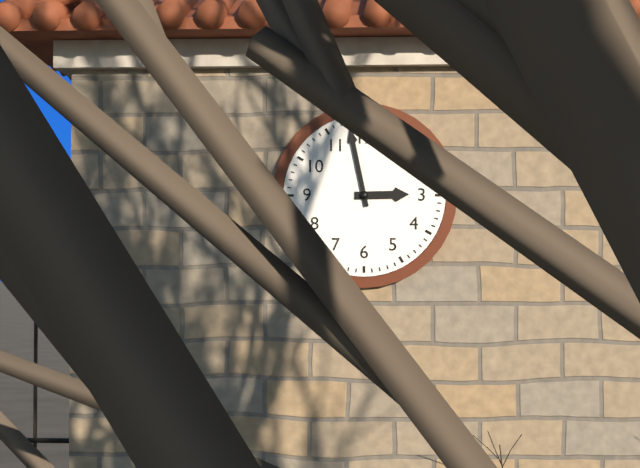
2:58
